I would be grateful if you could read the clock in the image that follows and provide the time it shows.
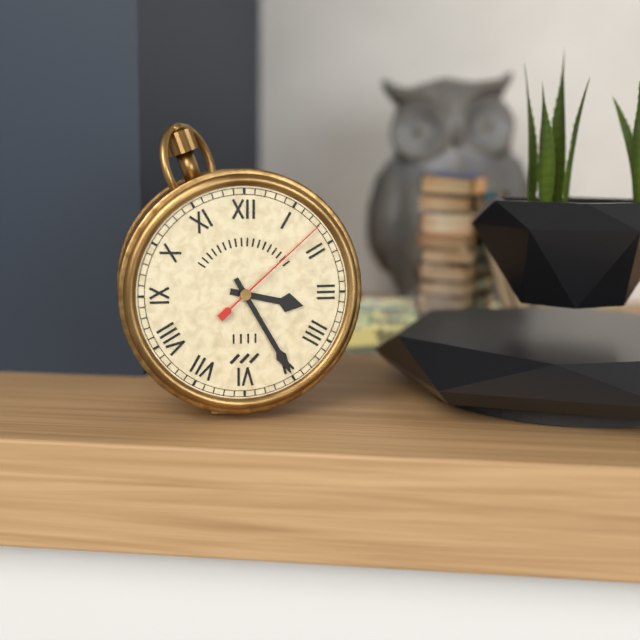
3:25:08
